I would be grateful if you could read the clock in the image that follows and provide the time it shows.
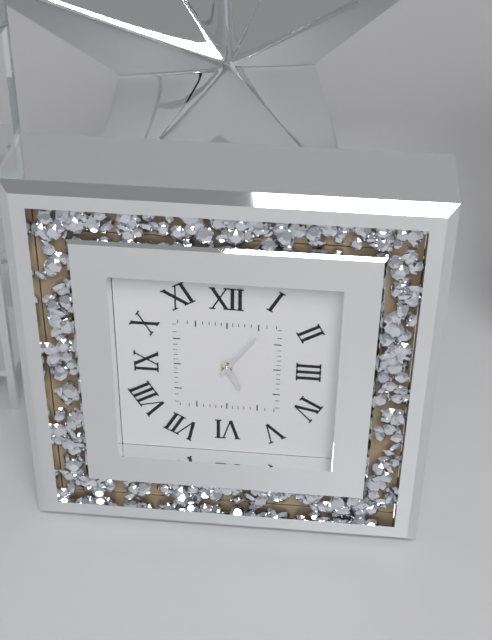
5:06
